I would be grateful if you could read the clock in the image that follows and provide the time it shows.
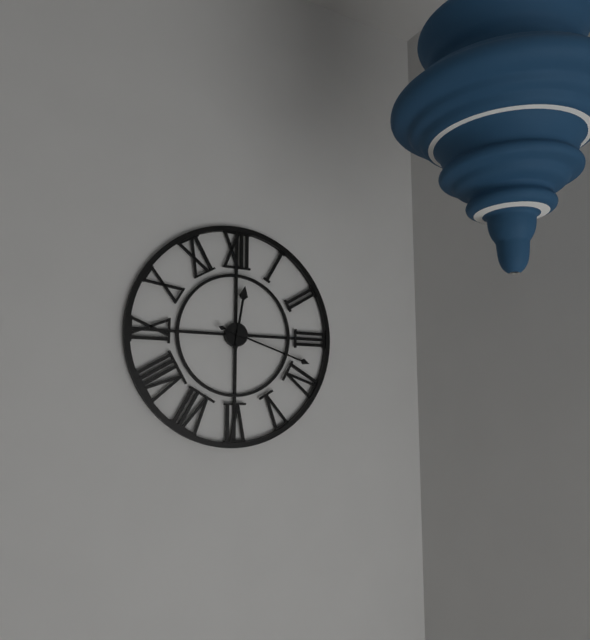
12:18
